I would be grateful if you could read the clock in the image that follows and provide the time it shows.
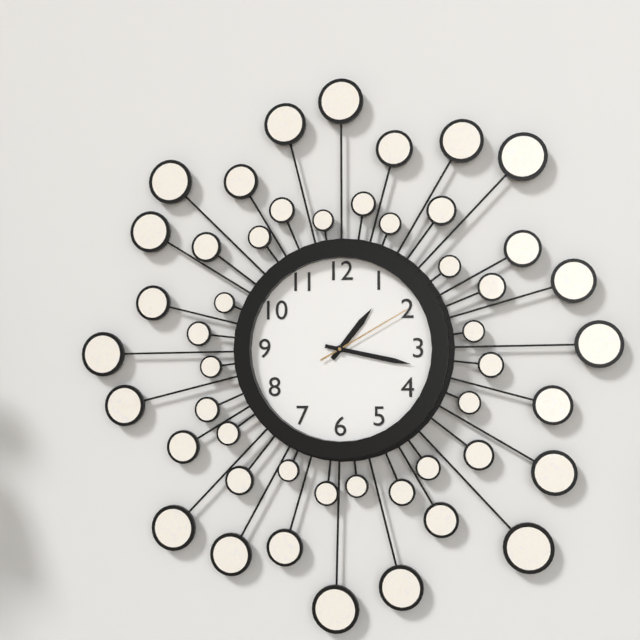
1:17:10
